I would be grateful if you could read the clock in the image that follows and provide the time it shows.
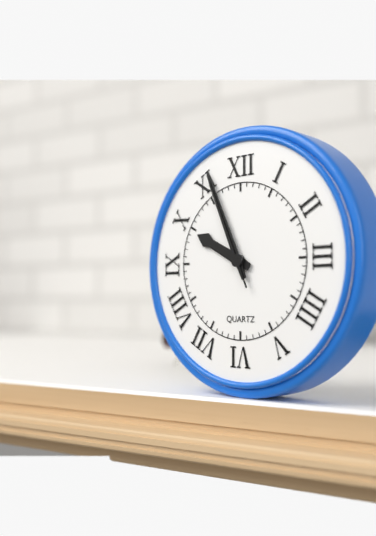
9:56:56
